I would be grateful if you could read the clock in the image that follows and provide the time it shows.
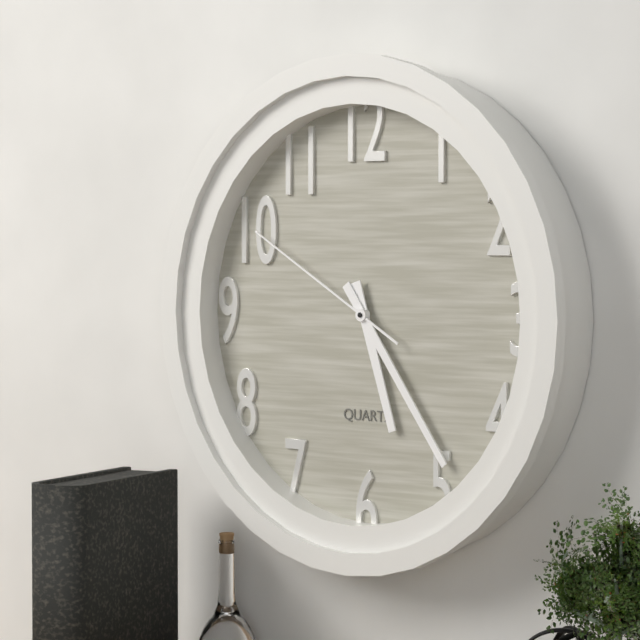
5:24:50
